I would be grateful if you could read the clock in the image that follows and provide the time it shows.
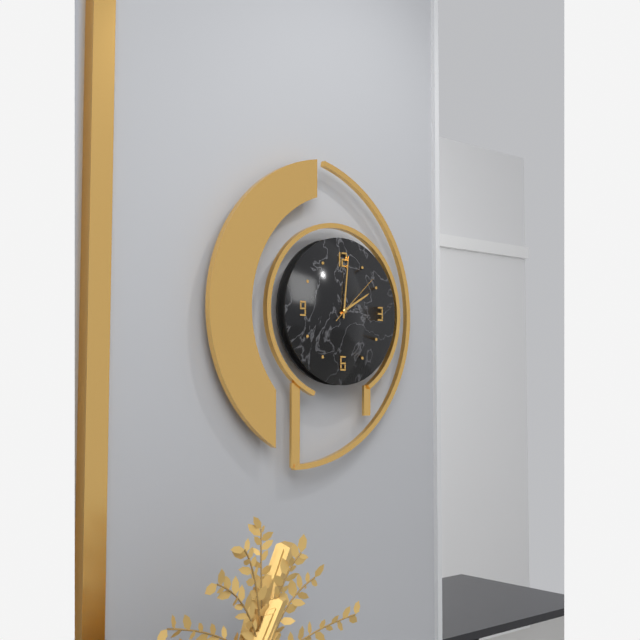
2:01:08
